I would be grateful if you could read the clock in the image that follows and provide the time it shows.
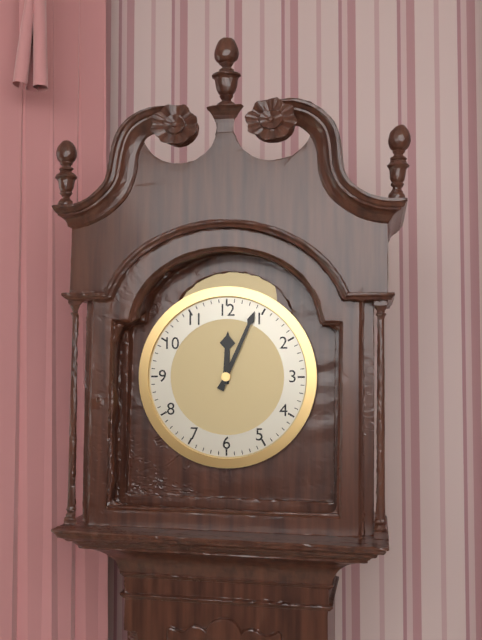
12:04
